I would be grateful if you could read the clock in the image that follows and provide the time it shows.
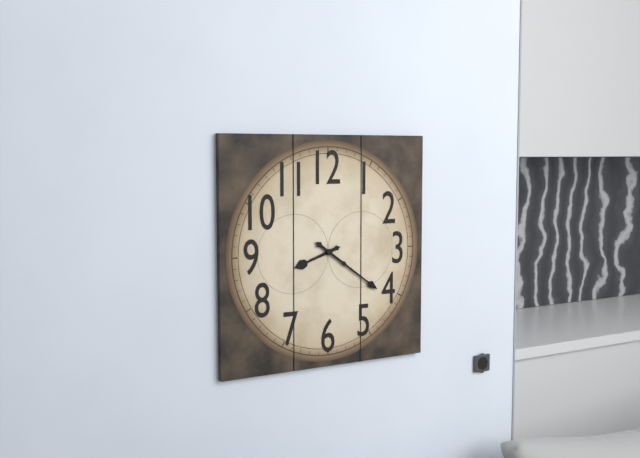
8:21
